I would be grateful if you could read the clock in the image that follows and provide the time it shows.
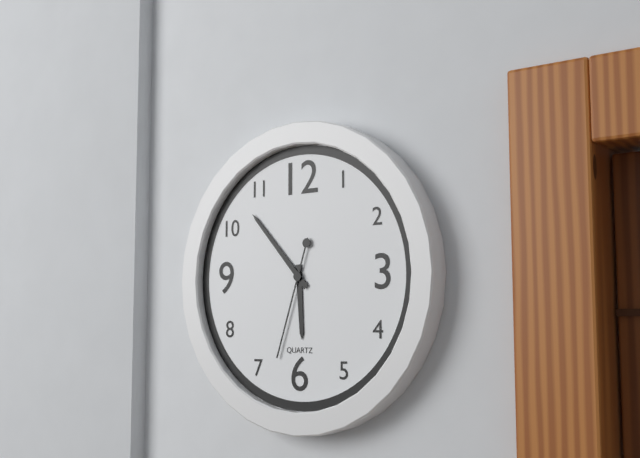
5:53:33
